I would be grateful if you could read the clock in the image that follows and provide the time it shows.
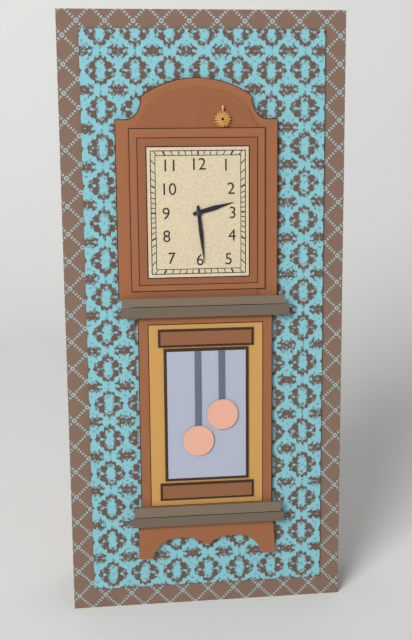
2:29
